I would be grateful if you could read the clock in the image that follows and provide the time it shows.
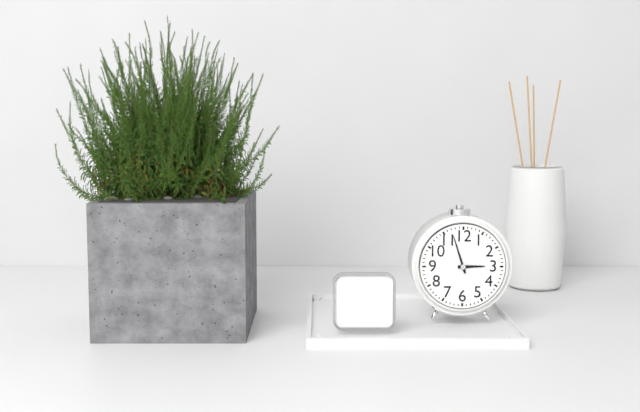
2:57
